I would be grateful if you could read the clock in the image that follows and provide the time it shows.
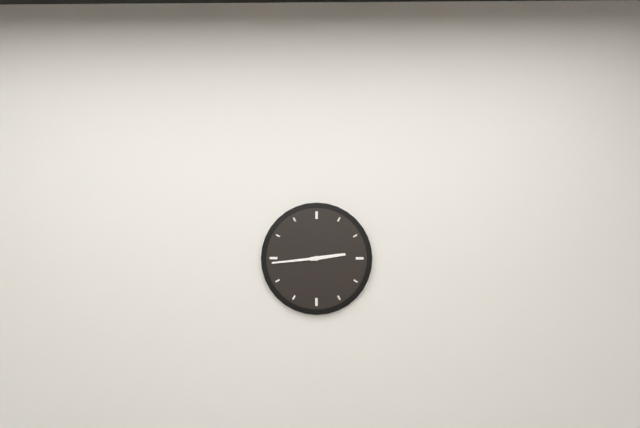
2:44
